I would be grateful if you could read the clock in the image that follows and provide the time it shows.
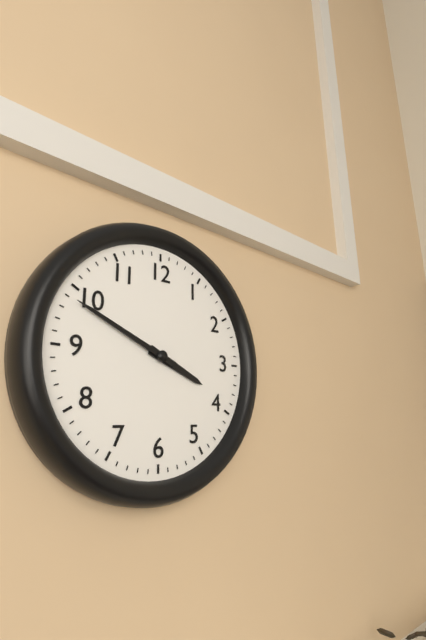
3:49
